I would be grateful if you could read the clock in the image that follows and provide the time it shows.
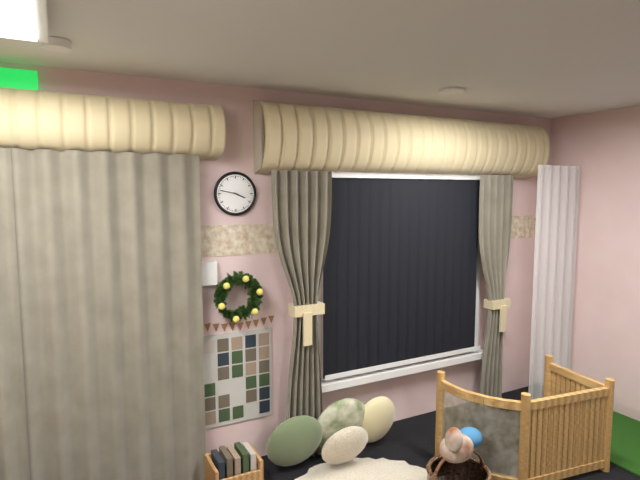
3:47
